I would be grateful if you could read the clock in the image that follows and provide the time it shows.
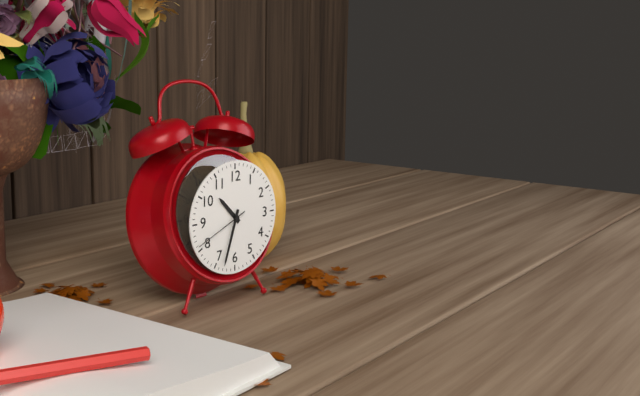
10:33:41
